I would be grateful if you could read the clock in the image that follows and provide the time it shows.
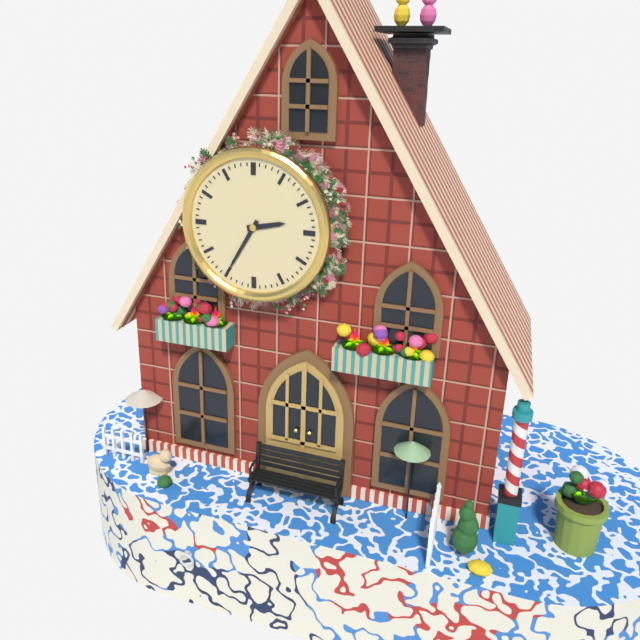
2:35
